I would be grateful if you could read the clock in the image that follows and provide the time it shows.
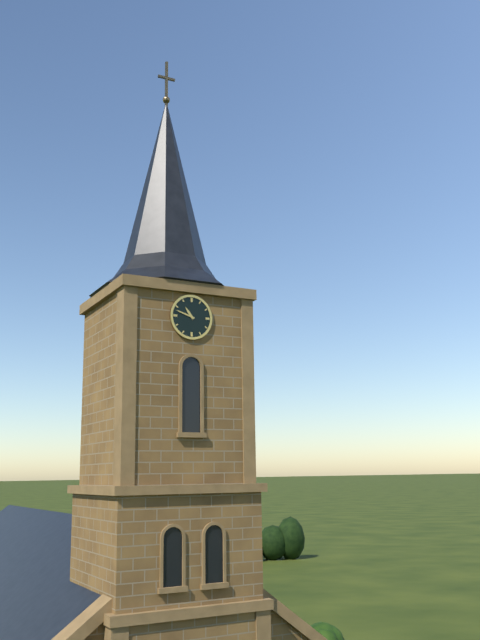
10:48
